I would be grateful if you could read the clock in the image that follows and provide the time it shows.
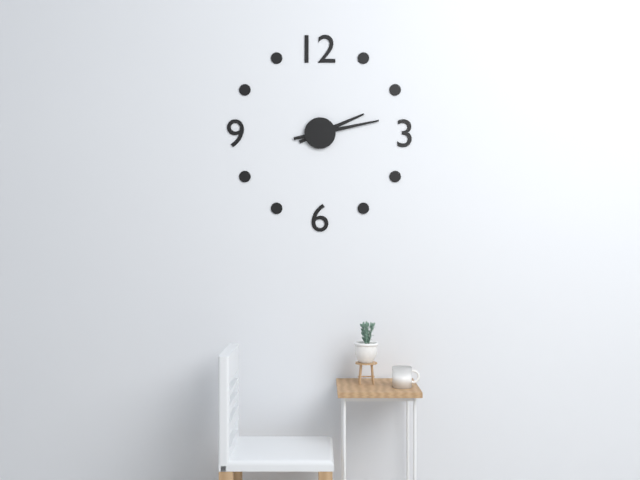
2:13
